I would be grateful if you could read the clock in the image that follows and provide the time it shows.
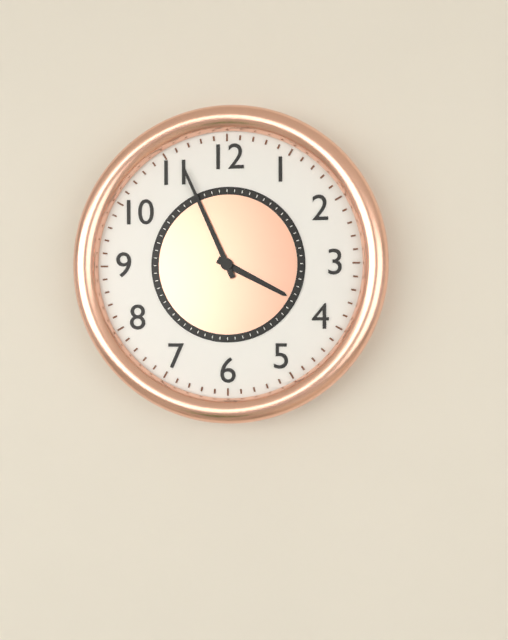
3:56
